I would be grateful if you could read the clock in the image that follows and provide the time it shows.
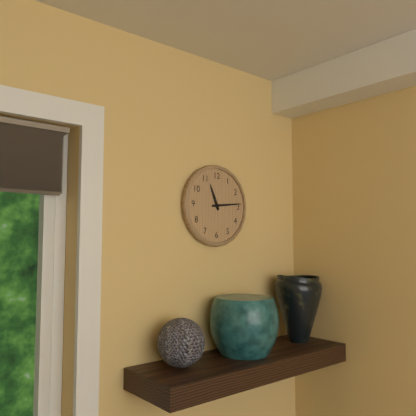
11:14
